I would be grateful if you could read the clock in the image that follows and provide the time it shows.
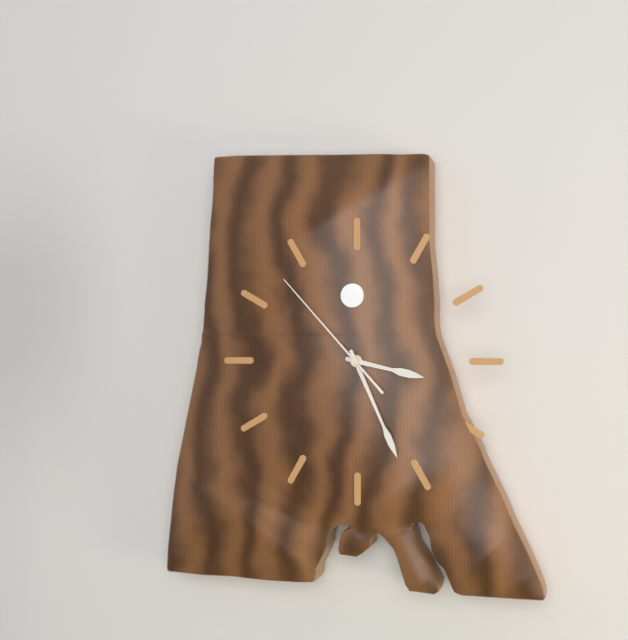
3:26:53
